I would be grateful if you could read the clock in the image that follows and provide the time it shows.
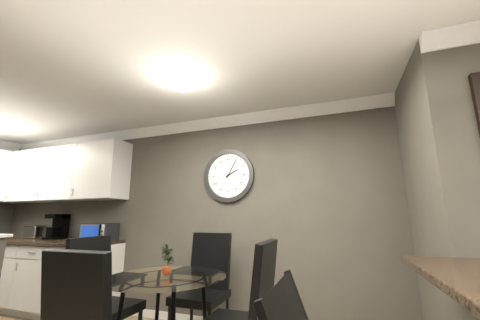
2:05
